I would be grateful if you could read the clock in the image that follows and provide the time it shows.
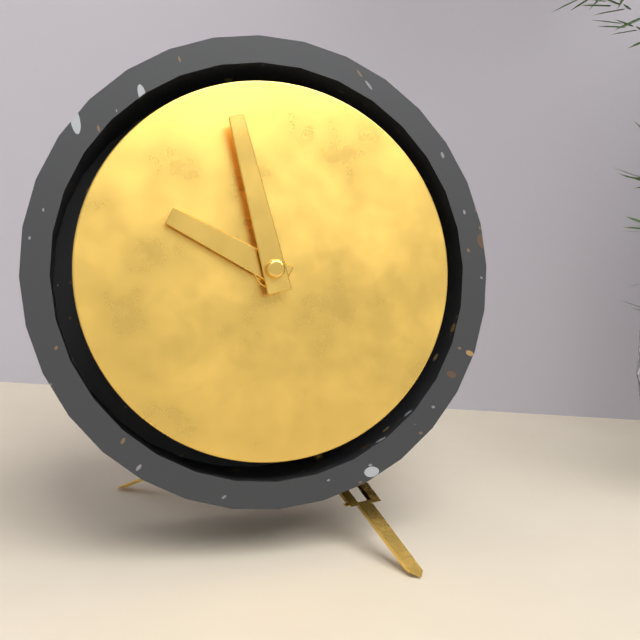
9:58
